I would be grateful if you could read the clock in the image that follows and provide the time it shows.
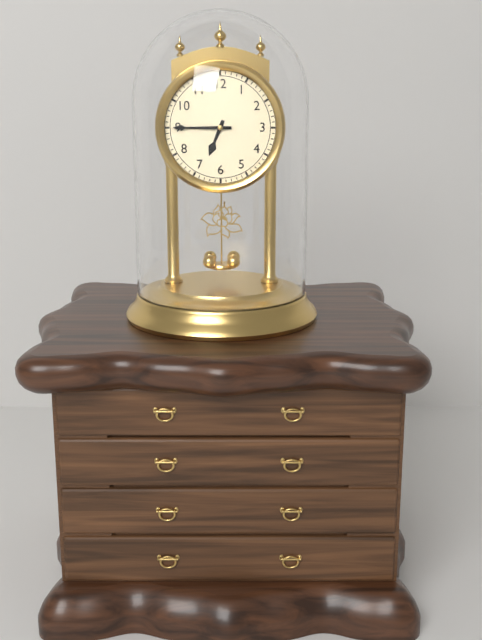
6:45
